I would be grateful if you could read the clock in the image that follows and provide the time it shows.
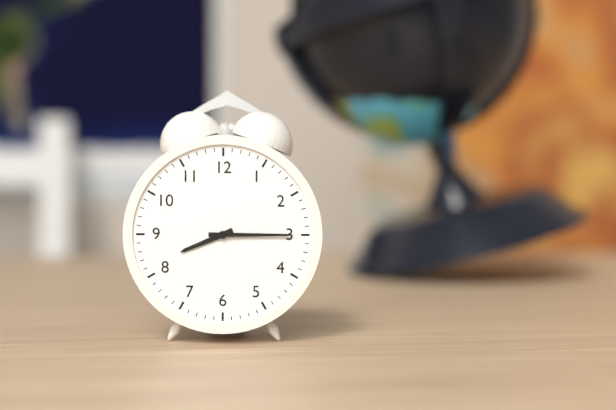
8:15
